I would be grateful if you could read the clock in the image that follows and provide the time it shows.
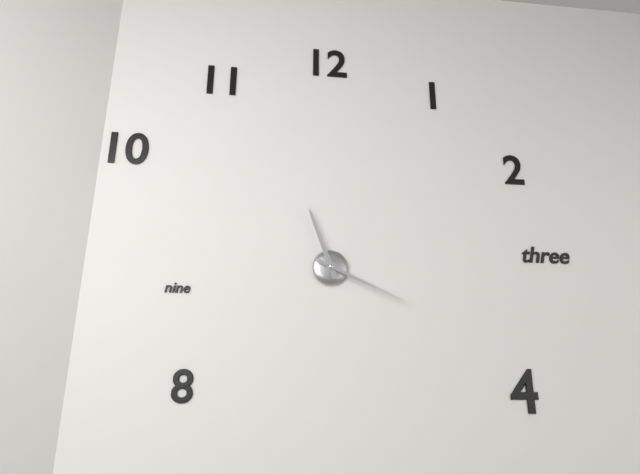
11:19
